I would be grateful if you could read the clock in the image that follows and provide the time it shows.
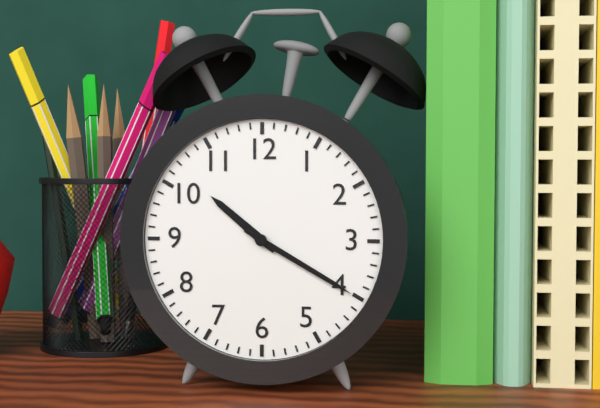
10:20
